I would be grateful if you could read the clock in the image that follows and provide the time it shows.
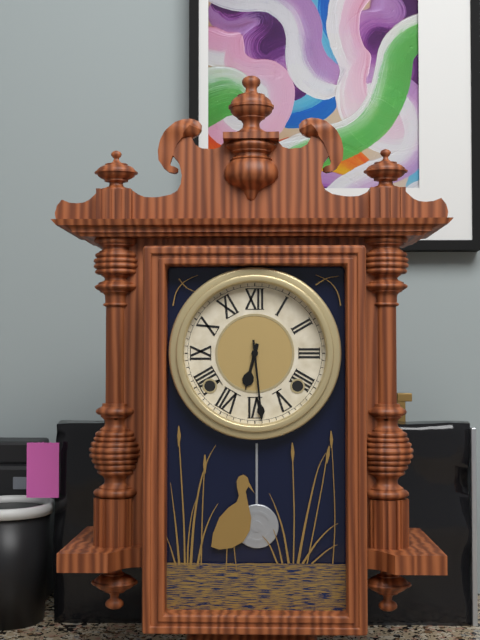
6:29
